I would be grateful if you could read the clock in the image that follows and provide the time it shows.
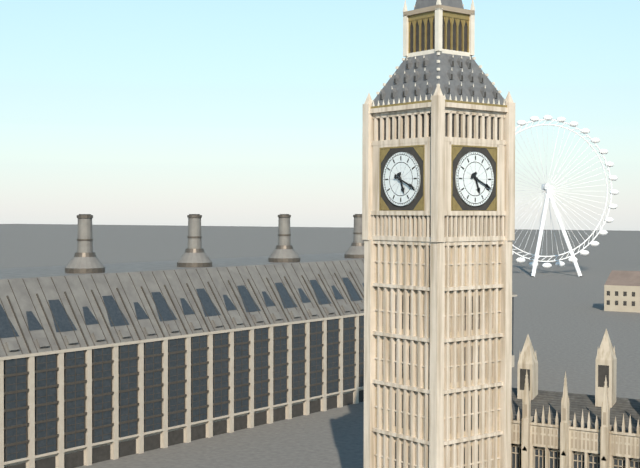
5:19
